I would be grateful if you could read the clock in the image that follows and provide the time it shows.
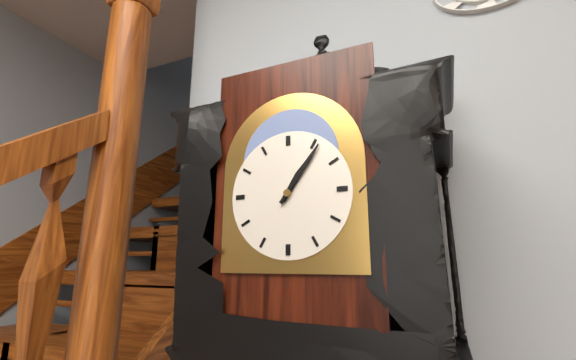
1:06
